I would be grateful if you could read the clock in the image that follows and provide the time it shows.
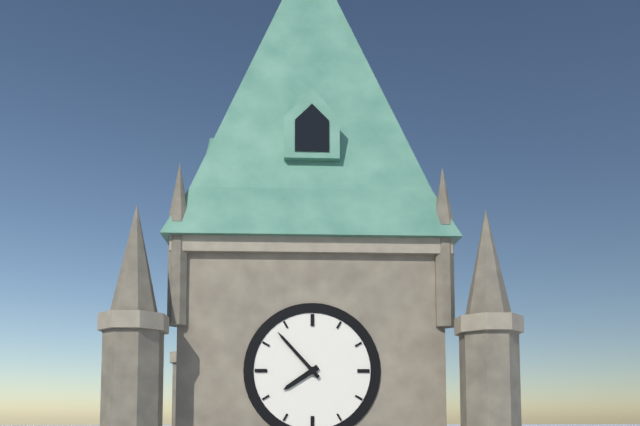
7:53
